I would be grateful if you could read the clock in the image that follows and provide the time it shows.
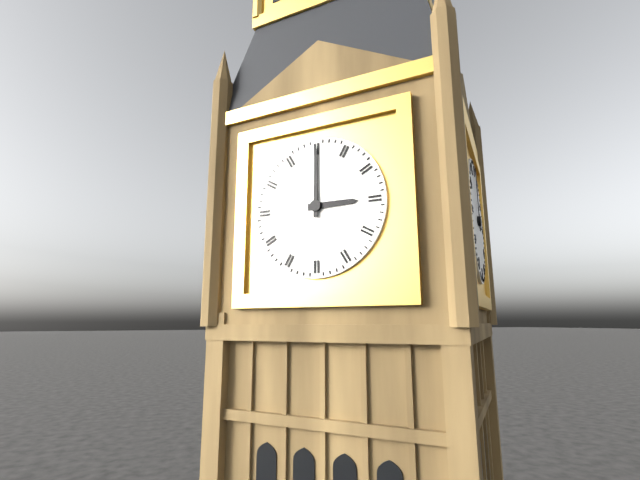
3:00
